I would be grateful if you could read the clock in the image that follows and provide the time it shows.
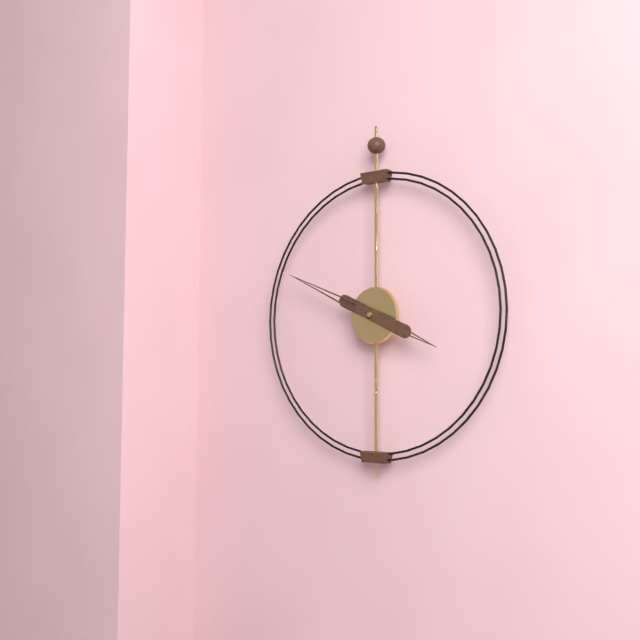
3:49
